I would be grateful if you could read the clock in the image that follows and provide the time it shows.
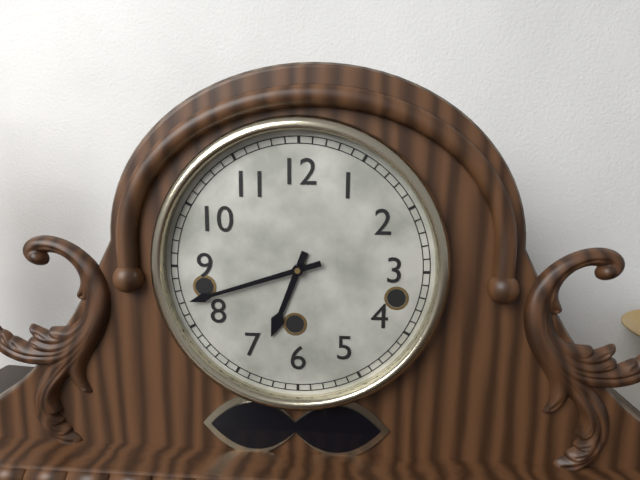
6:42
